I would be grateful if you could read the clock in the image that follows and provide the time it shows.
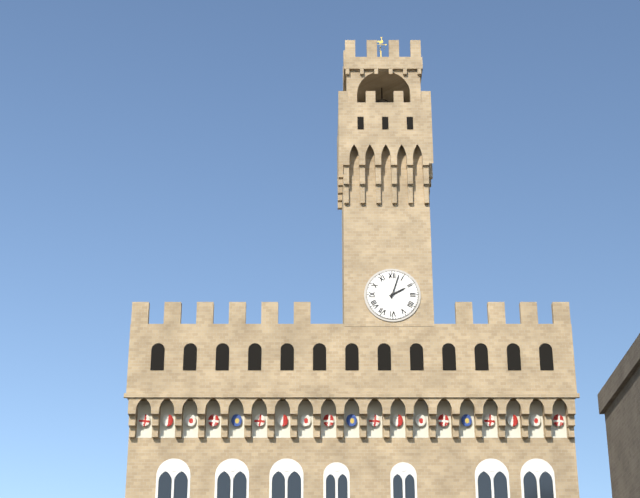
2:03
